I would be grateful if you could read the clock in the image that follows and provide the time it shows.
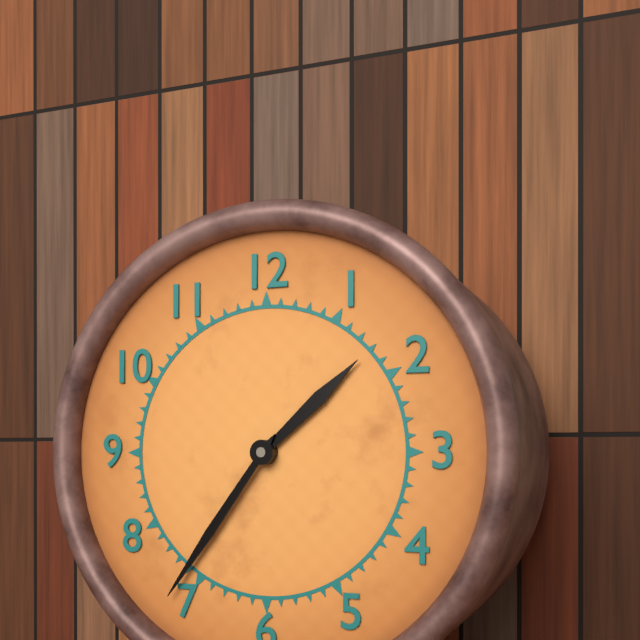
1:36
